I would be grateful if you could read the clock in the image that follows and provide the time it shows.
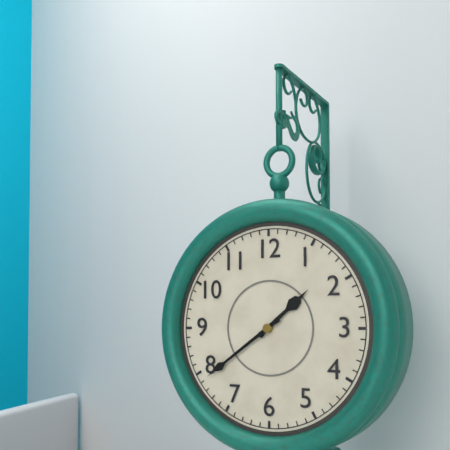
1:39
